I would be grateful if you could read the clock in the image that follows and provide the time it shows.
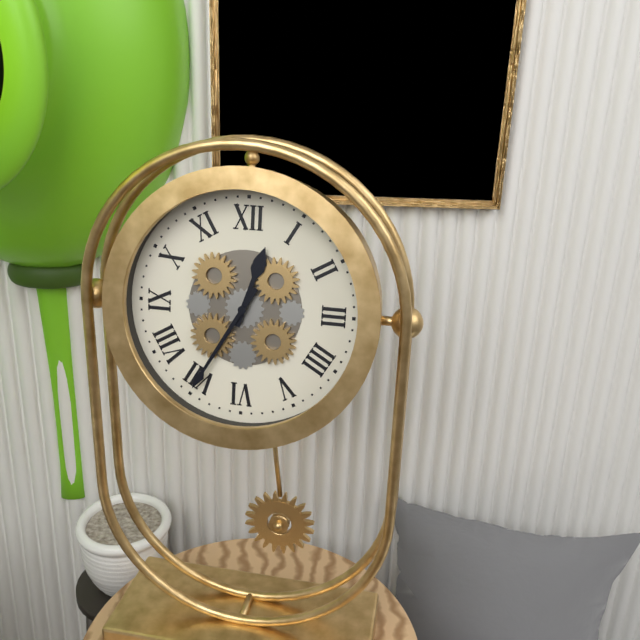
12:35
